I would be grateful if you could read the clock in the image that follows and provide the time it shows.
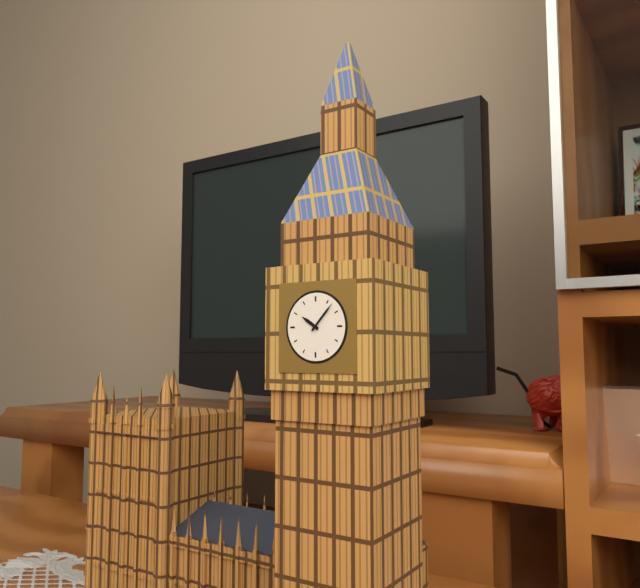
10:07
